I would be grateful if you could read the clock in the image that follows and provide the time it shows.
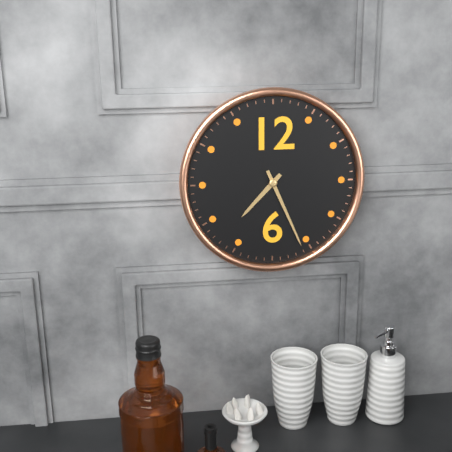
7:26
